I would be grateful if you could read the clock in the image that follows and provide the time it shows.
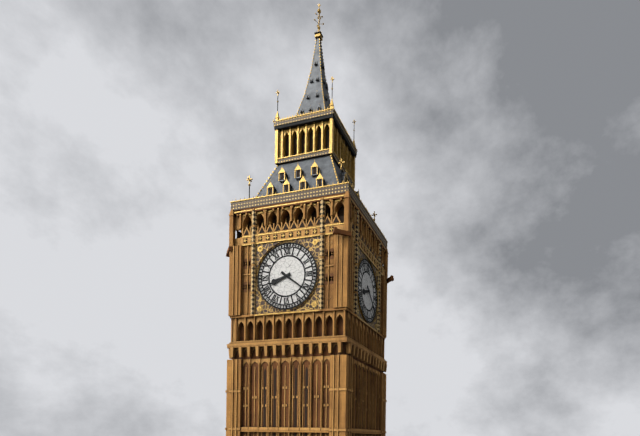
8:21
